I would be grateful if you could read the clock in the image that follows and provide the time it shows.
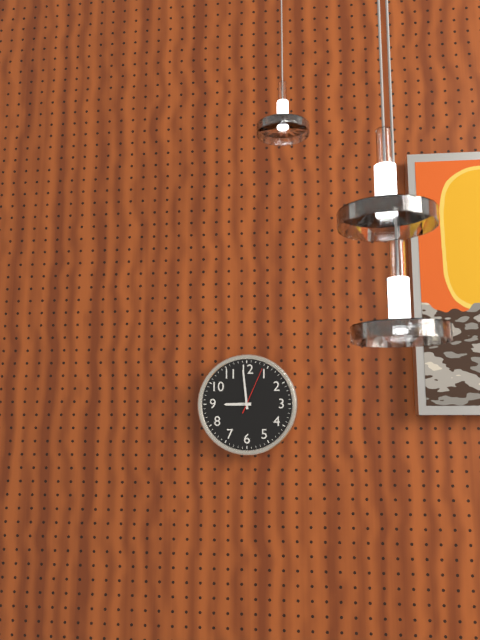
8:59
